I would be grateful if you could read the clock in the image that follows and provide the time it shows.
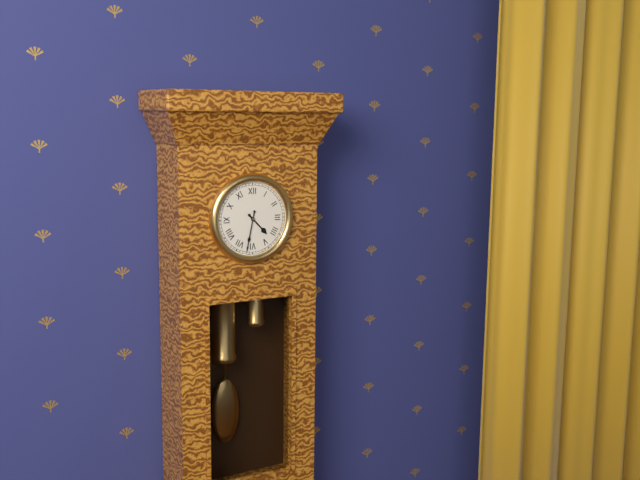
4:32
